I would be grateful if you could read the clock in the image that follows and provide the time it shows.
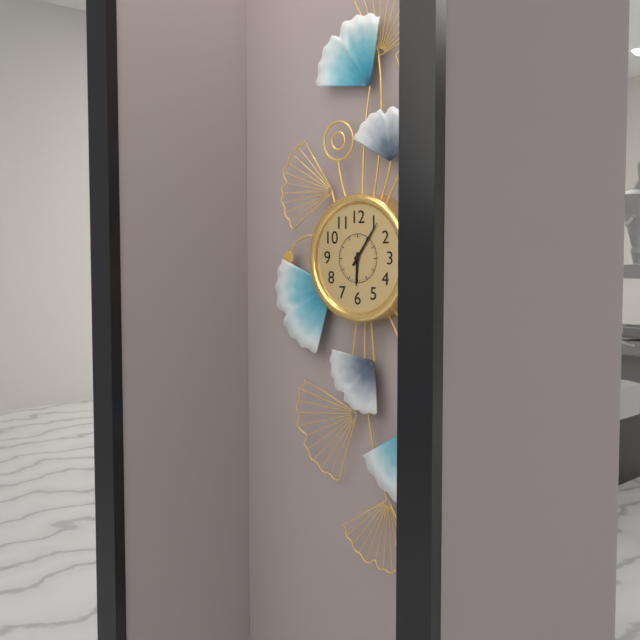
6:06
